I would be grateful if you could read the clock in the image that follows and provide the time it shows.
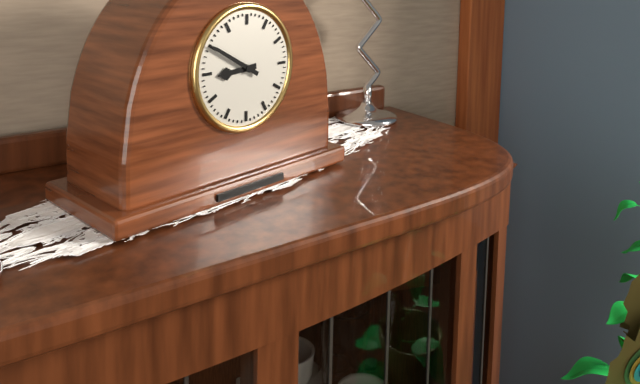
8:50
